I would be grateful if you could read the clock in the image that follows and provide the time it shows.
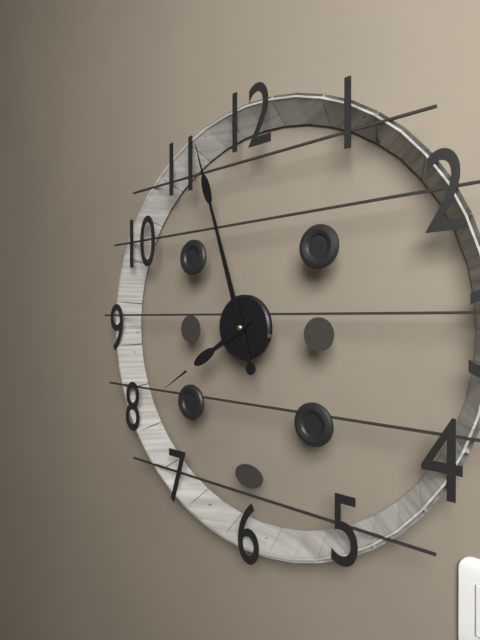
7:57
